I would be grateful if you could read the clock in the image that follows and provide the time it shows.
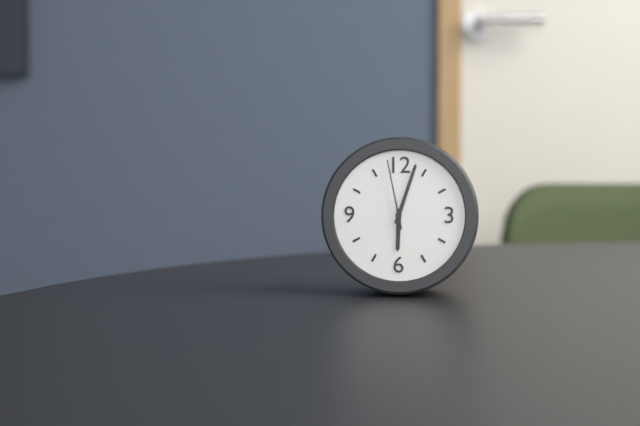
6:03:58
